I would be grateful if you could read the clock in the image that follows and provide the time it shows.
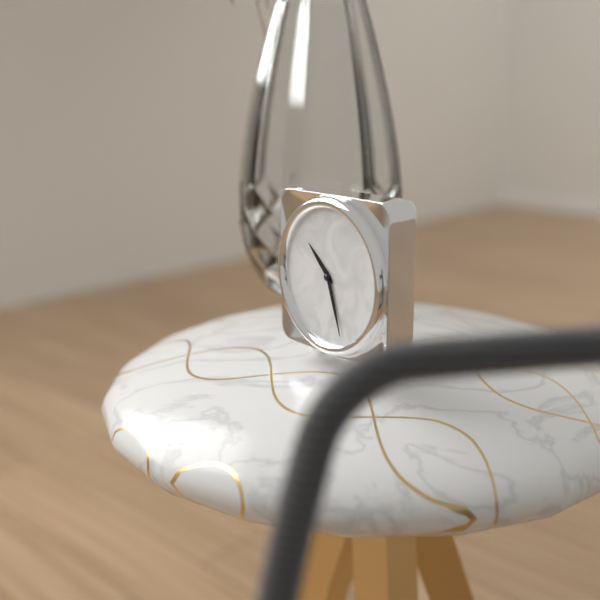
10:27
